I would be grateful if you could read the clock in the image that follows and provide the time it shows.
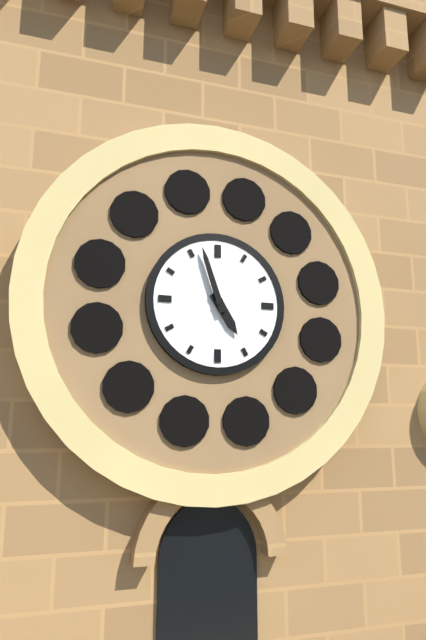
4:57
